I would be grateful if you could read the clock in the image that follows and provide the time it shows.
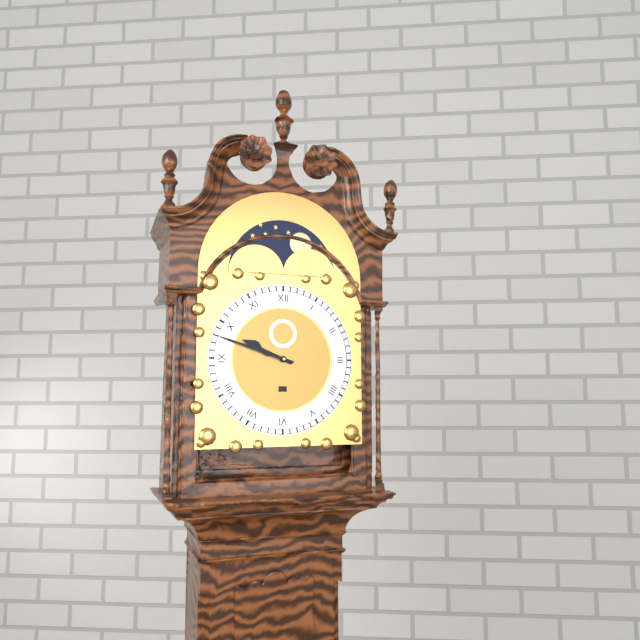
9:48
